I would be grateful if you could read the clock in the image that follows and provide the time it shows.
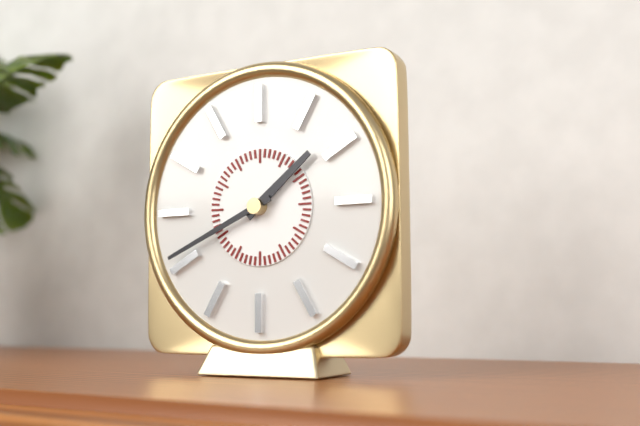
1:41
